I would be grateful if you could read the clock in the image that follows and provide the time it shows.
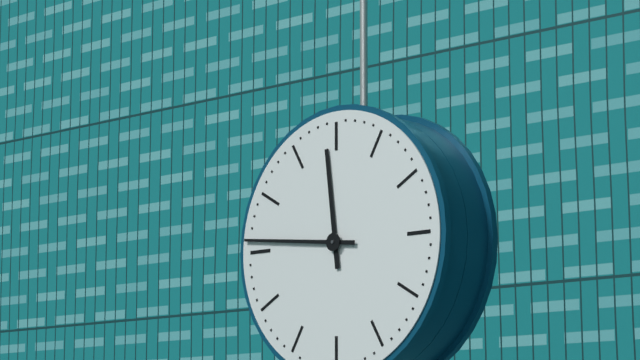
11:46
